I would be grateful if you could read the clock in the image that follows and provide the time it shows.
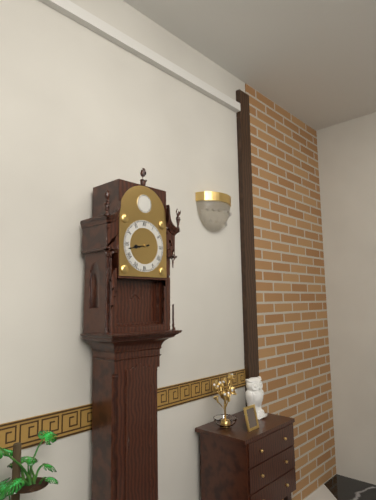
8:43
